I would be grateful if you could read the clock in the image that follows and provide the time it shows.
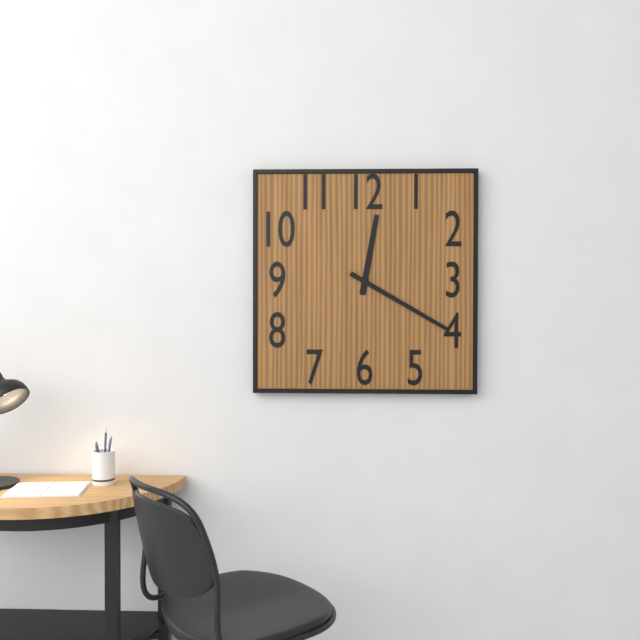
12:20
